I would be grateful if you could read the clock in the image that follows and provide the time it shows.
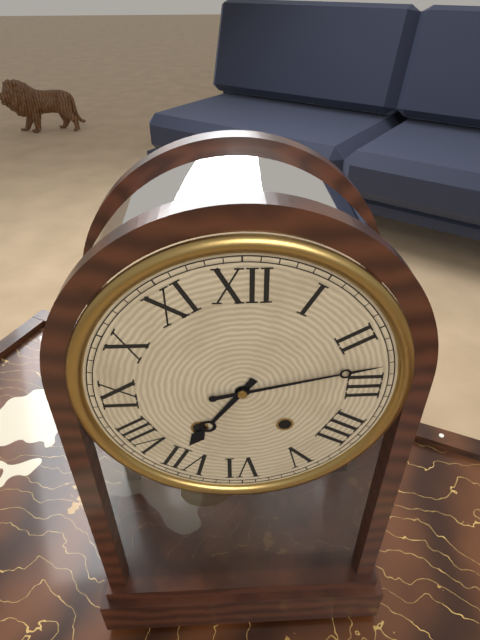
7:13
